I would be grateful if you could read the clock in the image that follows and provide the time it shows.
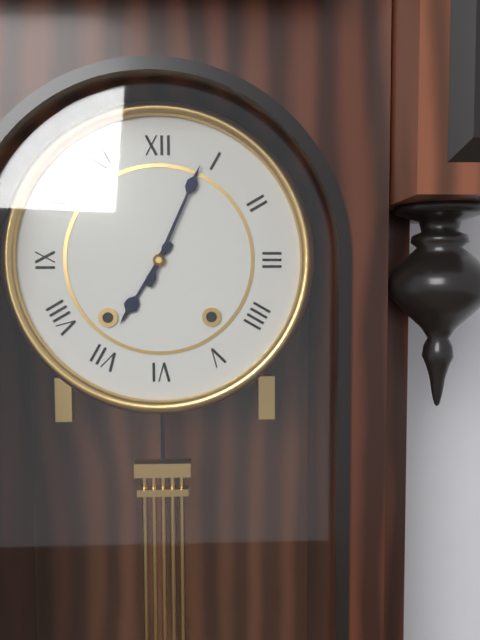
7:04
